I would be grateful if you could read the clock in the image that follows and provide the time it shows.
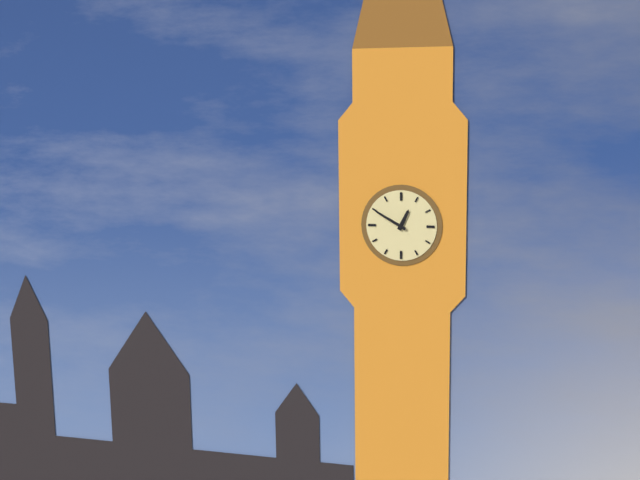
12:50
